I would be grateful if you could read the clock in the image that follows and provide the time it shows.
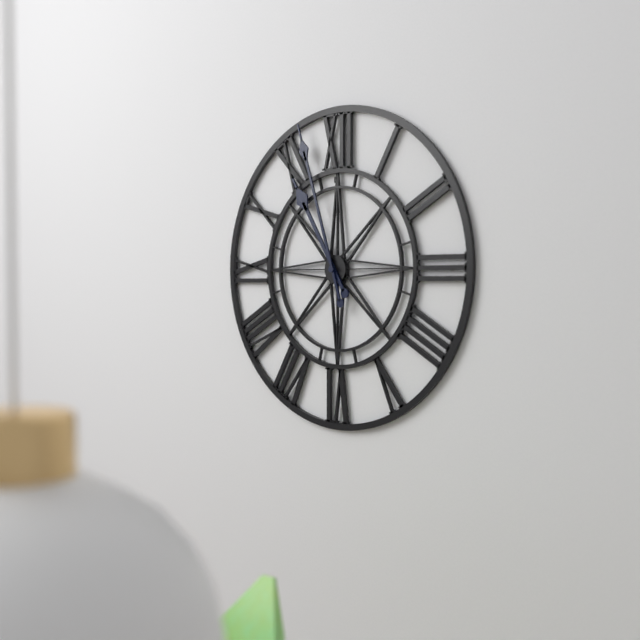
10:57
